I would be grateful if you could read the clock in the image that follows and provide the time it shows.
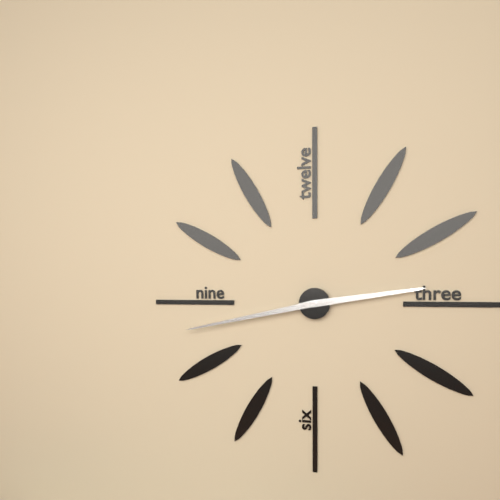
2:43
